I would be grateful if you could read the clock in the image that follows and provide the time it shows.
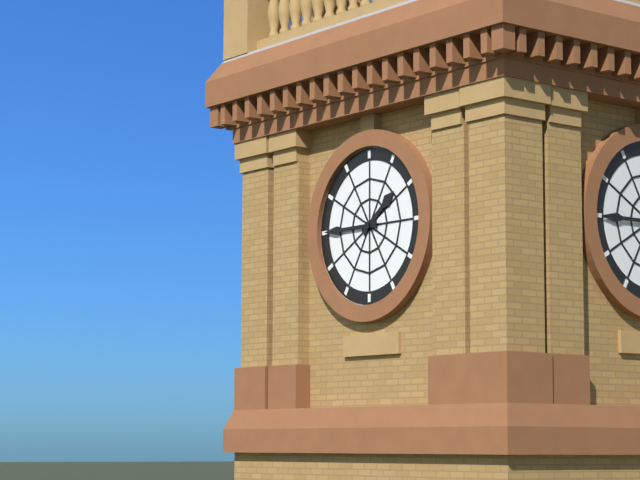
1:45
